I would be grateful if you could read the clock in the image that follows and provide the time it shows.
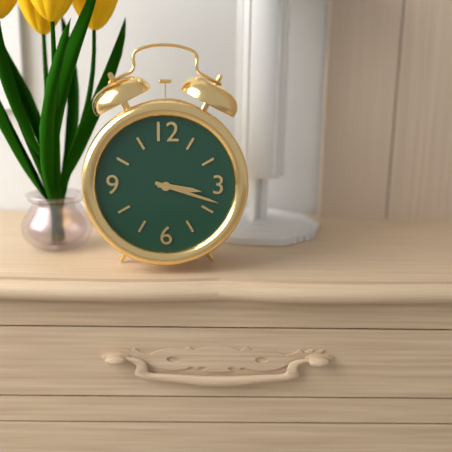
3:18
